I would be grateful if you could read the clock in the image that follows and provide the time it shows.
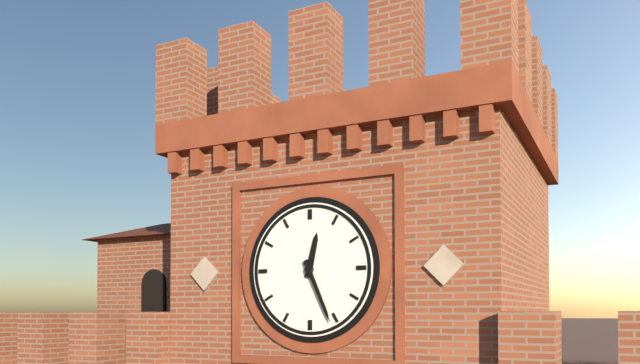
12:26
